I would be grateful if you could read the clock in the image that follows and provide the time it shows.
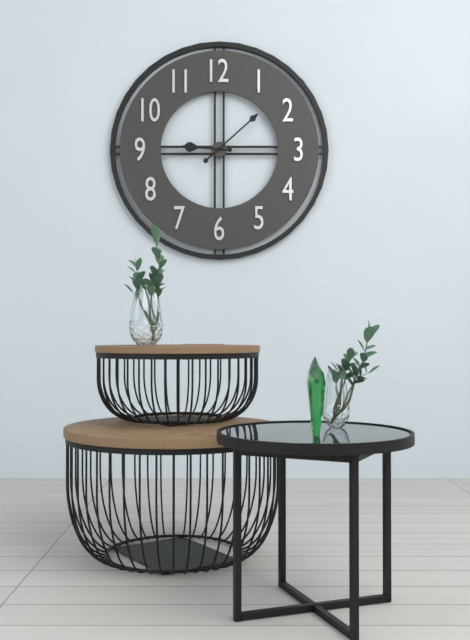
9:08
